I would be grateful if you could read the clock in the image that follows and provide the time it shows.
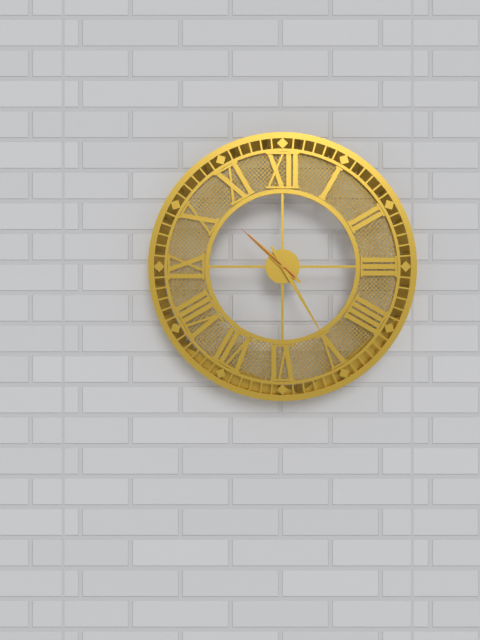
10:25:52
